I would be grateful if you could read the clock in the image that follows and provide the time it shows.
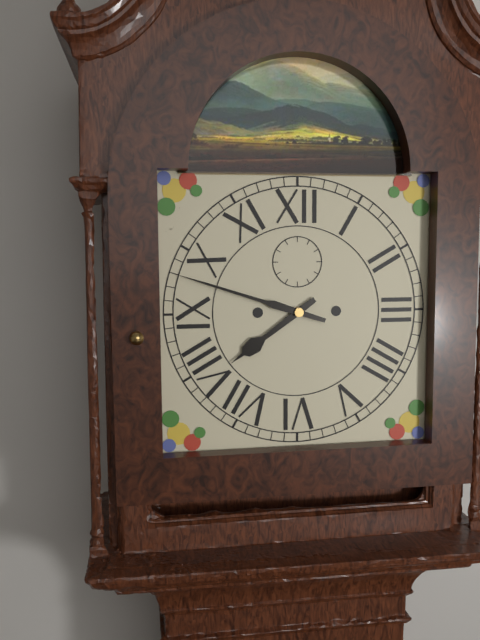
7:48
